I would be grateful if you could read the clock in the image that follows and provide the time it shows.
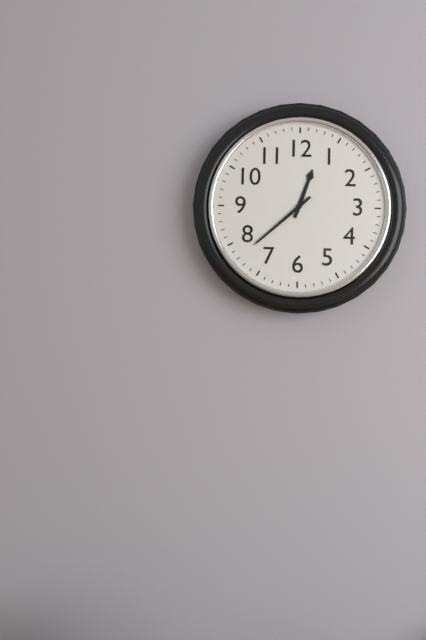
12:38
